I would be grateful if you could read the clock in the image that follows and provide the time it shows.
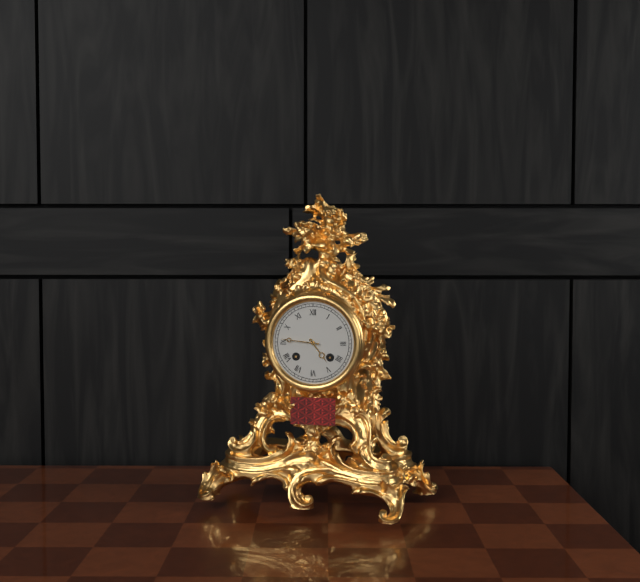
4:46
